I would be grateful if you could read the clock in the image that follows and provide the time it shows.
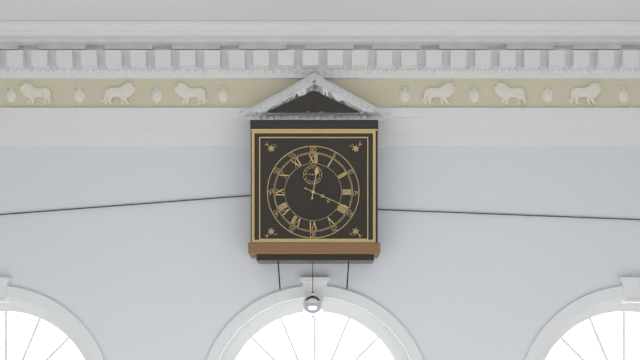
12:19
